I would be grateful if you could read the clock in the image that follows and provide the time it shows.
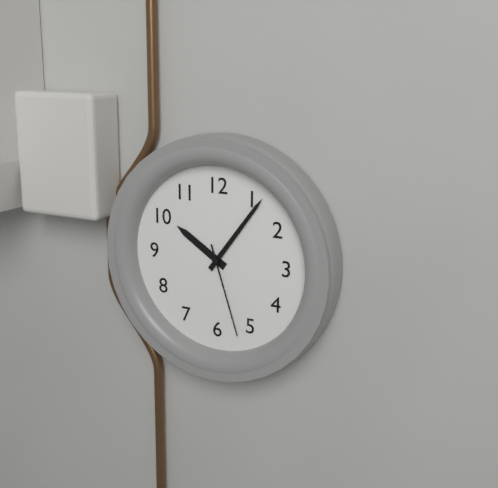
10:06:27
